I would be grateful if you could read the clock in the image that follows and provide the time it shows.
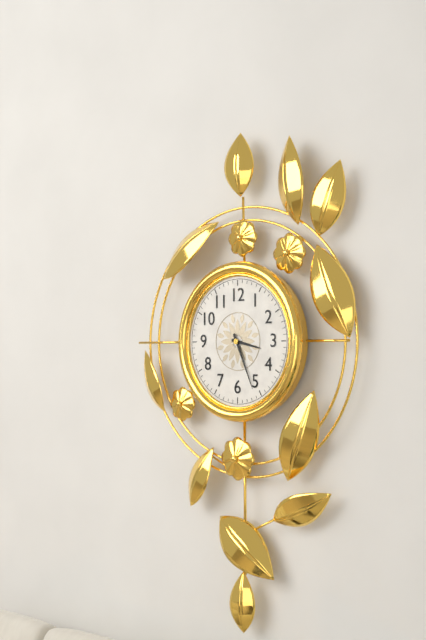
3:26
